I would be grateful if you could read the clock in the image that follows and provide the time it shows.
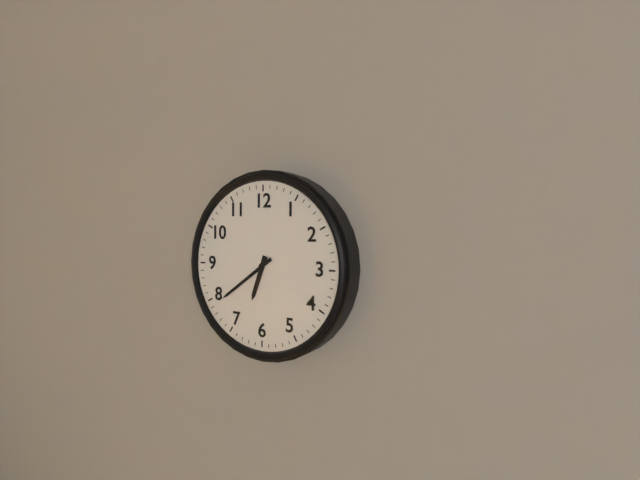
6:39
